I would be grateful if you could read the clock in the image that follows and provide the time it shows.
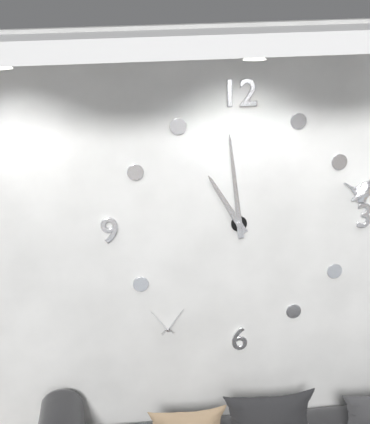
10:59
